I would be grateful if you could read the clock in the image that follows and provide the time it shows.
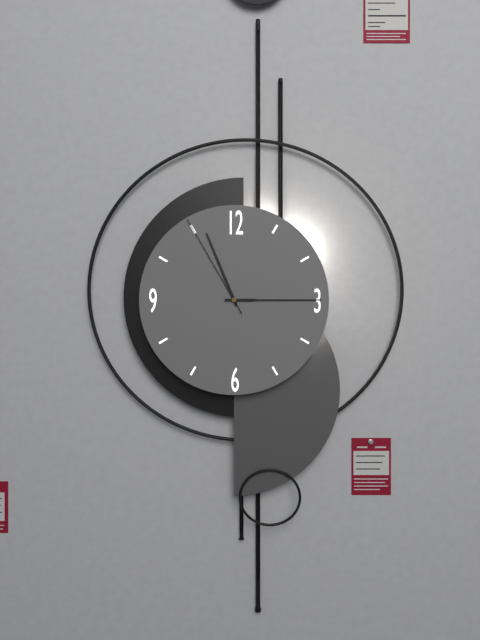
11:15:55
